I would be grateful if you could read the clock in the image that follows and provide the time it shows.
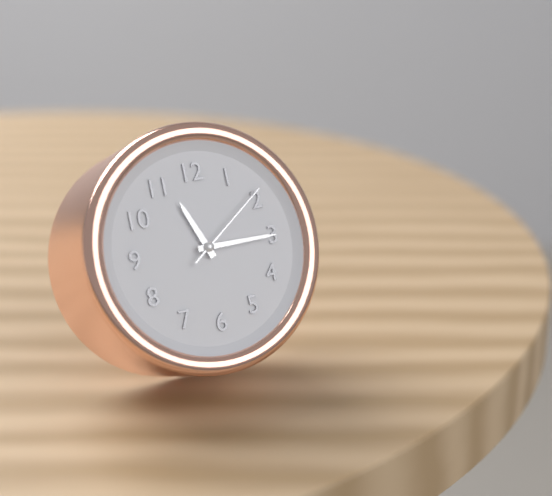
11:15:09
